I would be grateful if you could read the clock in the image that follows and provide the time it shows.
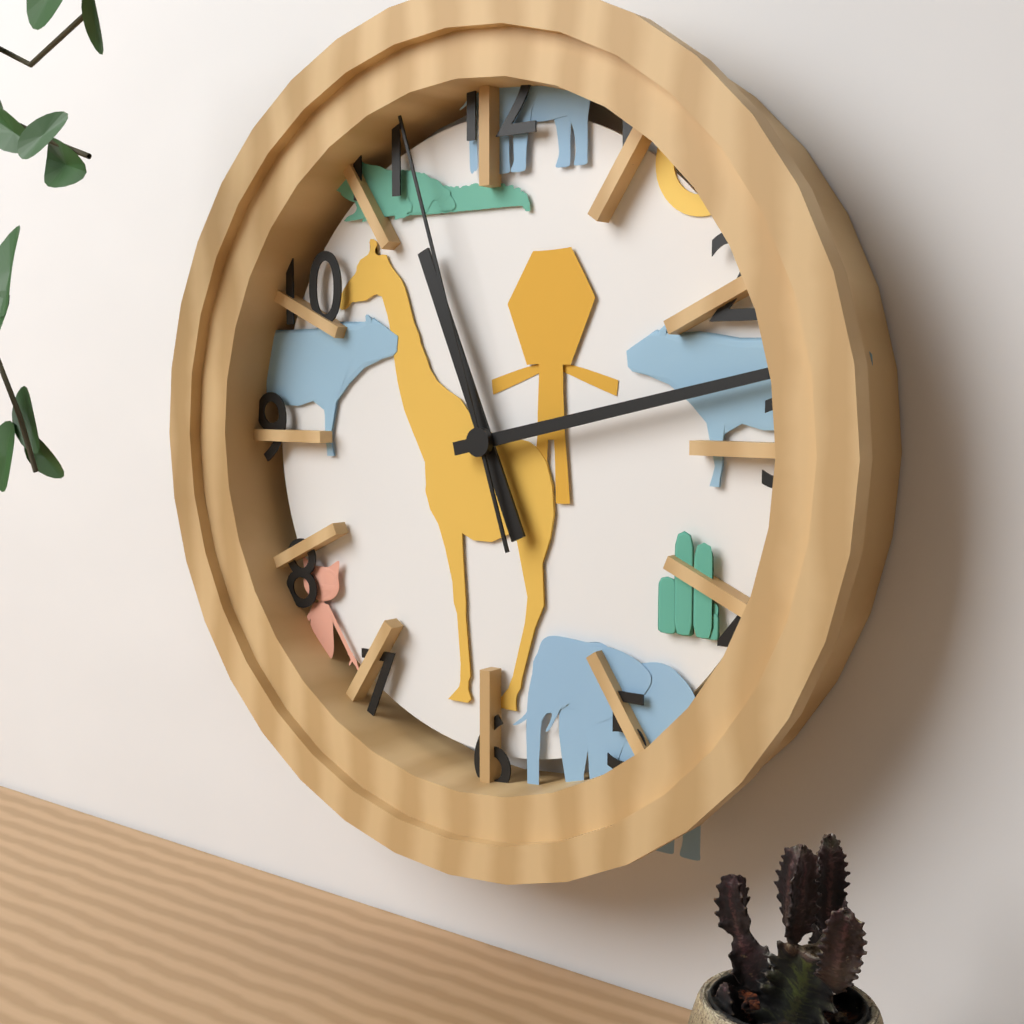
11:13:57
